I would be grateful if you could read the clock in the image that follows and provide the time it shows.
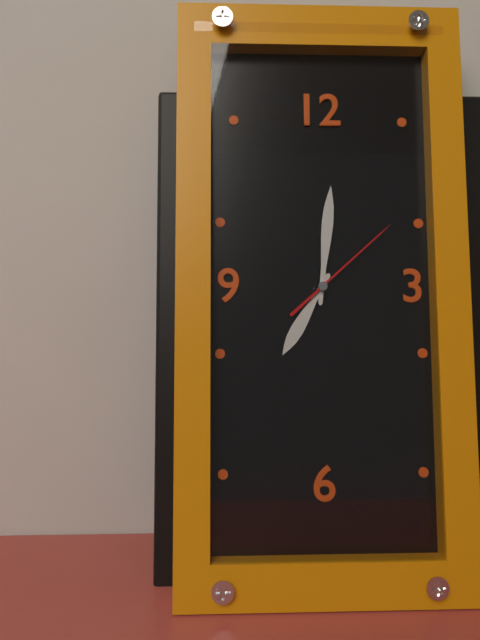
7:01:08
